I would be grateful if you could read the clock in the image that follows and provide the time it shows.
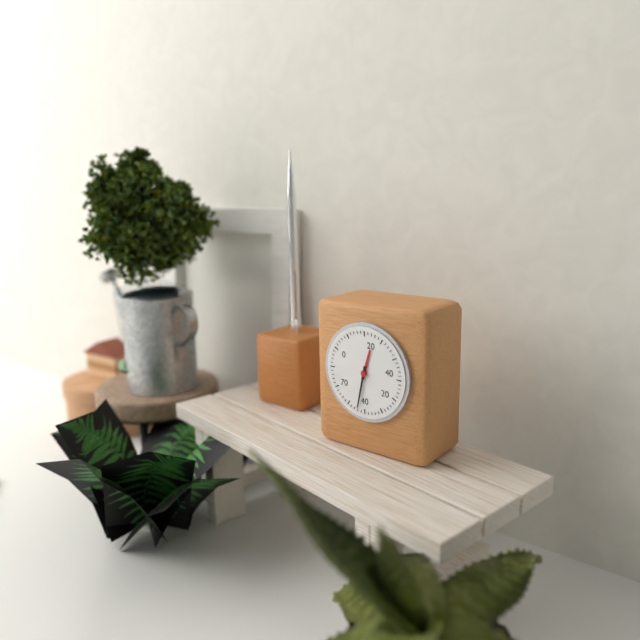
12:32
